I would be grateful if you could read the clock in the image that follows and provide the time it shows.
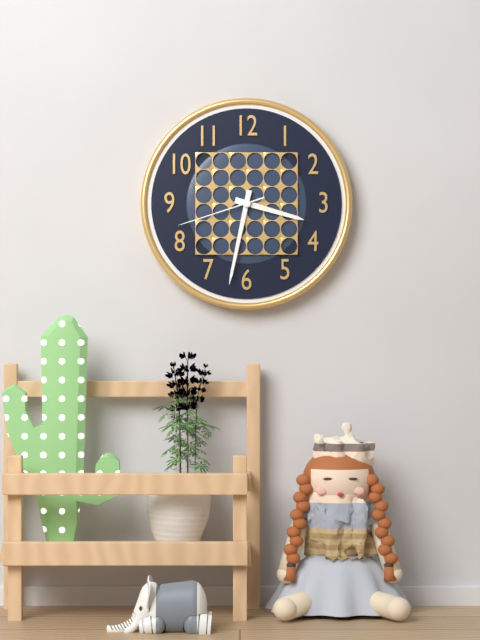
3:32:42
